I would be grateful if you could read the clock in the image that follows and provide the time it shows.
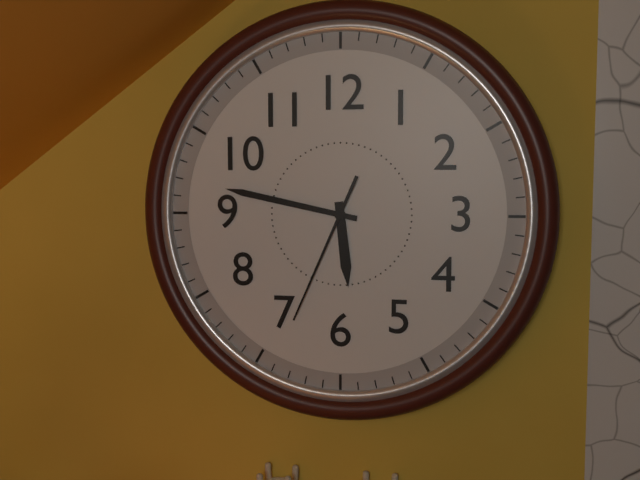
5:47:34
